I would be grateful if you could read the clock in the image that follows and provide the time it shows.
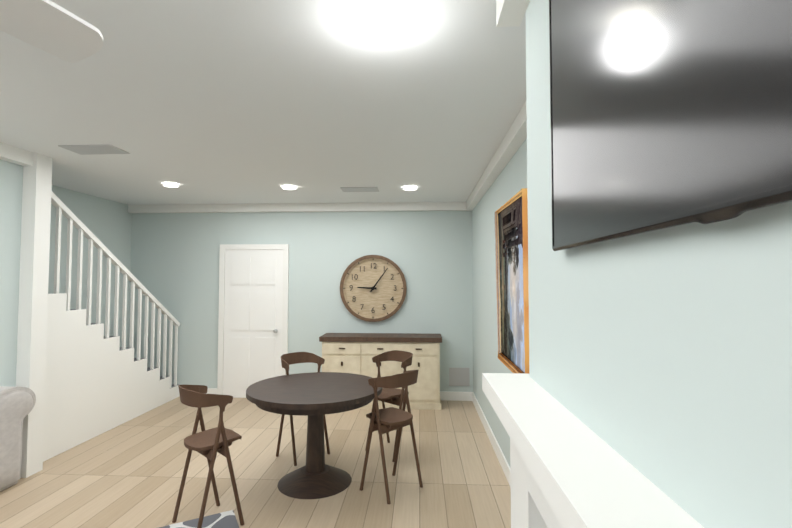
9:06
